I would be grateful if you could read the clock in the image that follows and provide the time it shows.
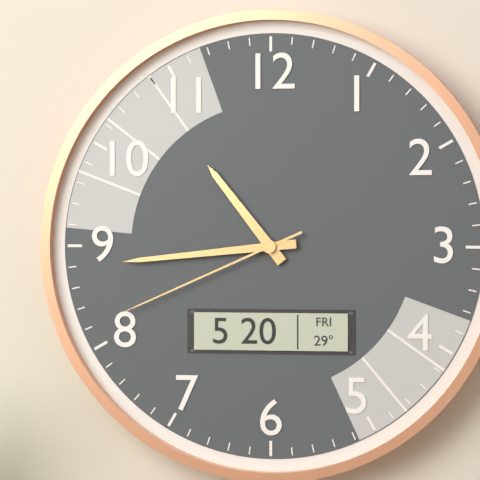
10:44:41
